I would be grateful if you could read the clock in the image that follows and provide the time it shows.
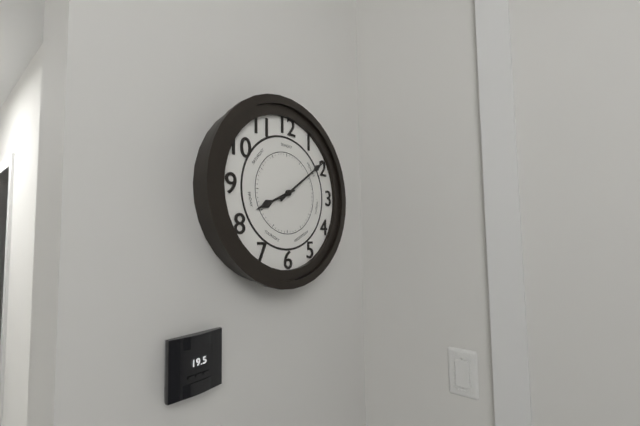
8:09
